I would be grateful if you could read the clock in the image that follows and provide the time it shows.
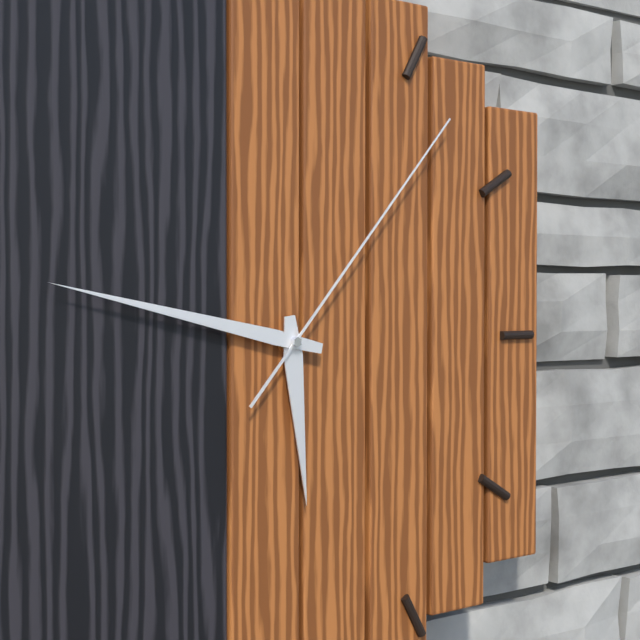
5:47:07
